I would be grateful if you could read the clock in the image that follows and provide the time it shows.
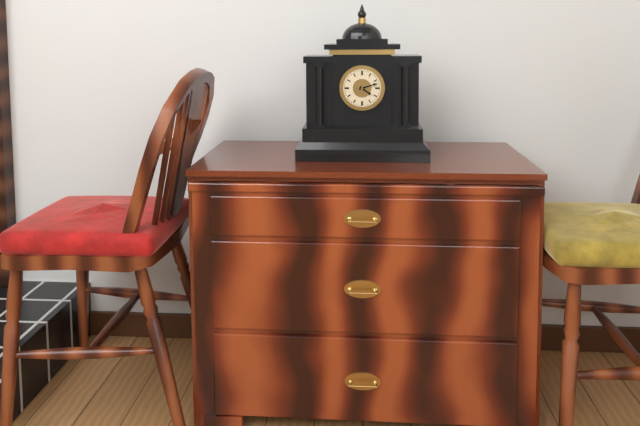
4:12
